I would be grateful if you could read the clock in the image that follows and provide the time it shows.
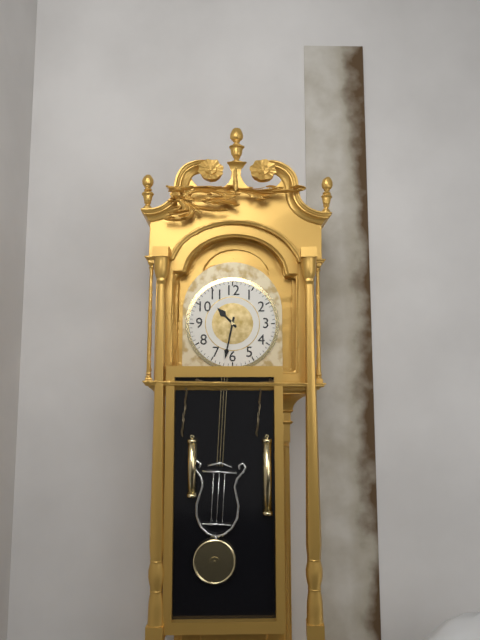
10:32
